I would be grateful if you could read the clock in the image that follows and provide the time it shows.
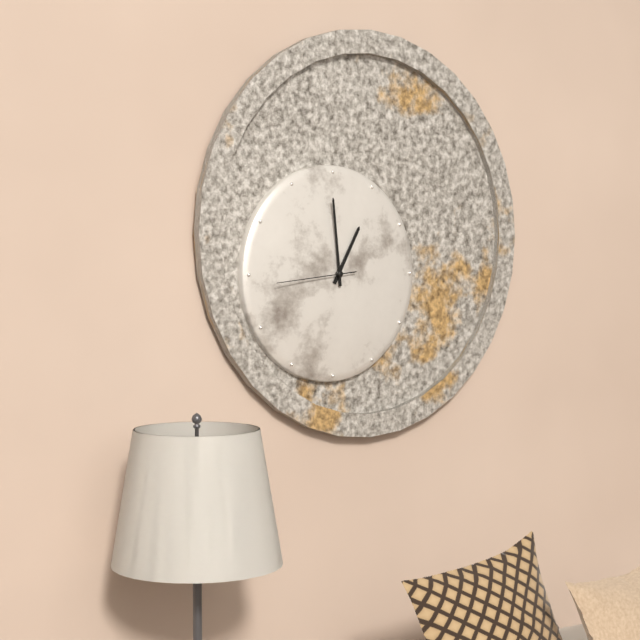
12:59:44
